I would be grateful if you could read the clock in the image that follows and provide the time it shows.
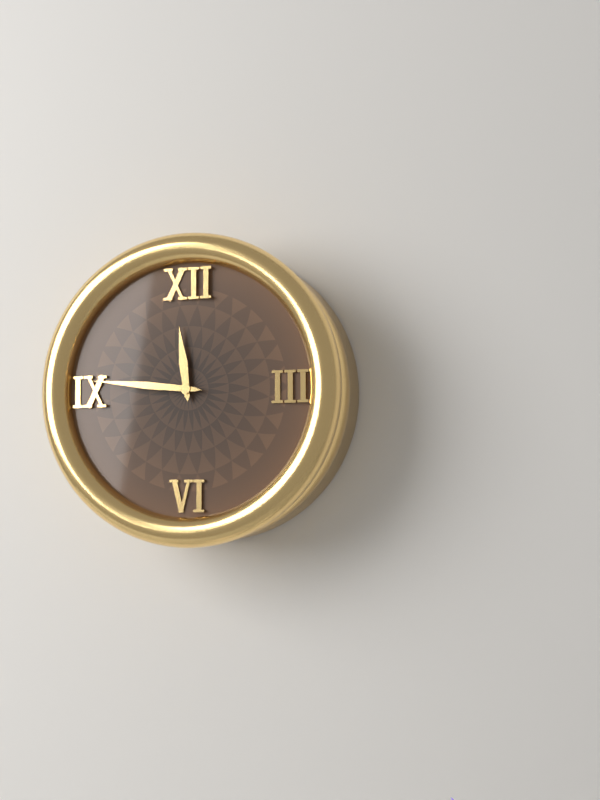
11:46
